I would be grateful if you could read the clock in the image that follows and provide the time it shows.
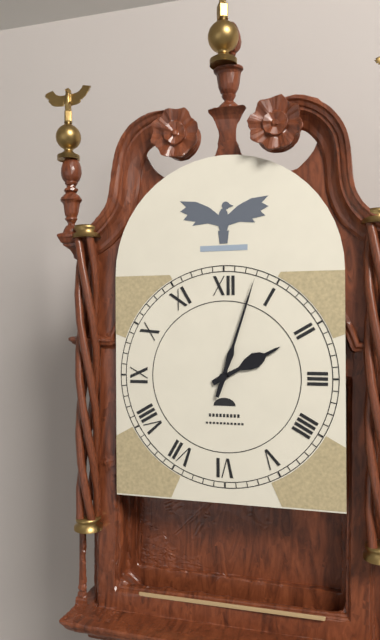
2:03
